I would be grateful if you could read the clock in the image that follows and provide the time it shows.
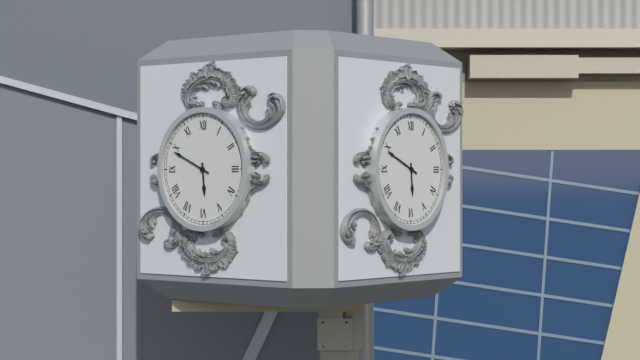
5:49
